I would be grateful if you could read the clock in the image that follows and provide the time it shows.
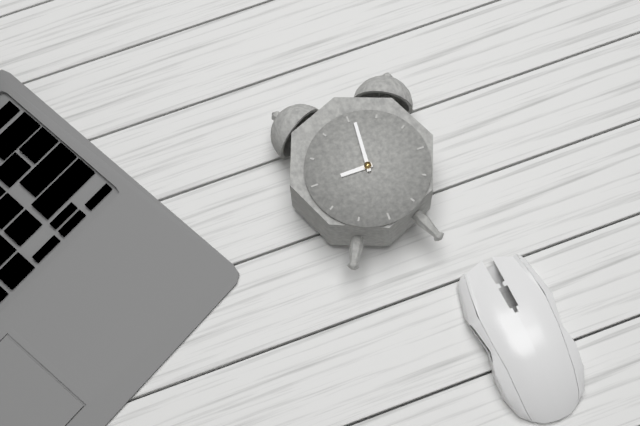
9:01
